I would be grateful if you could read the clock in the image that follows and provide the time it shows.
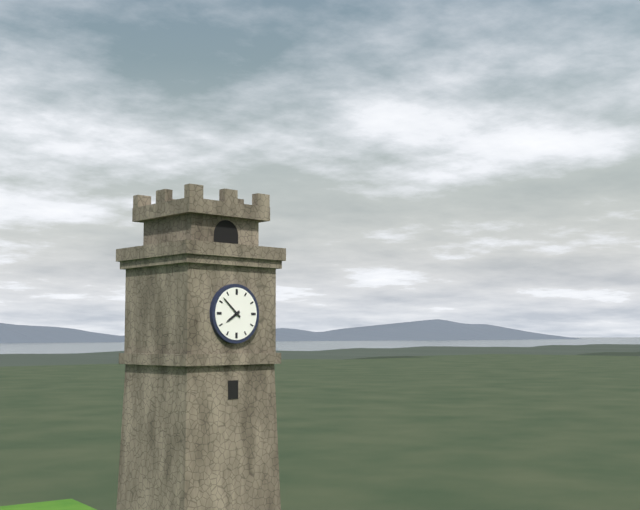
7:52
